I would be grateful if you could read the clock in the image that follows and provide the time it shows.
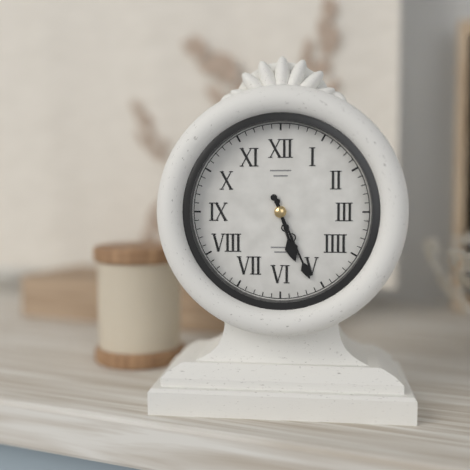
5:26
